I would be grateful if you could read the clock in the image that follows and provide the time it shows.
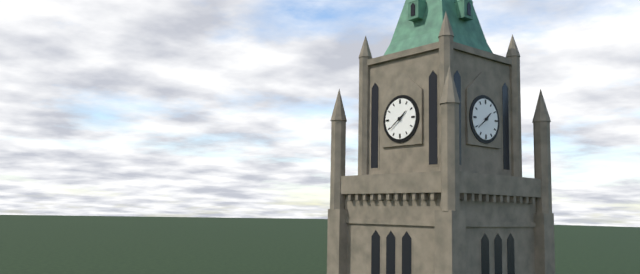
1:39
